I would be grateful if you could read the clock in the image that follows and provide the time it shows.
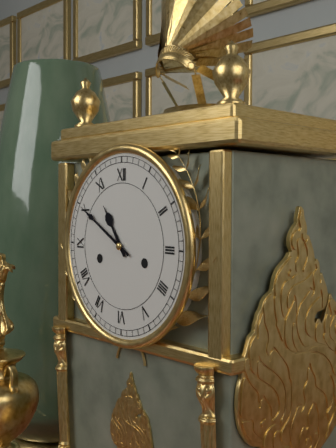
10:50
